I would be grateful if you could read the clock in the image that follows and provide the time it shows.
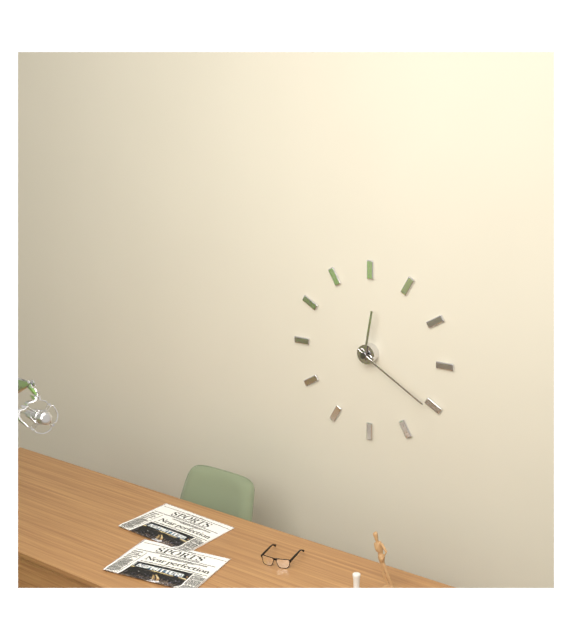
12:20
